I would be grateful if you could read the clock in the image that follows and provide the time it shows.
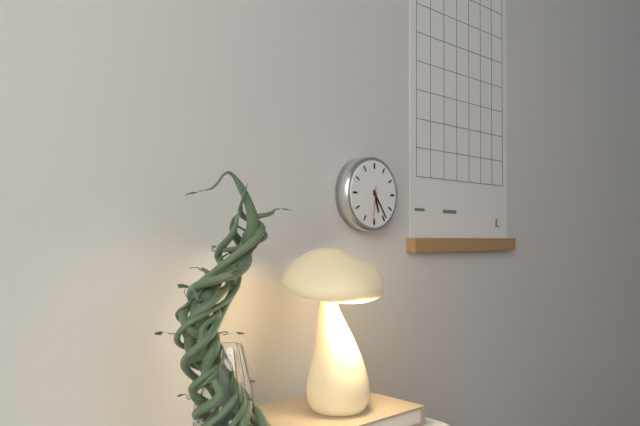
5:24
